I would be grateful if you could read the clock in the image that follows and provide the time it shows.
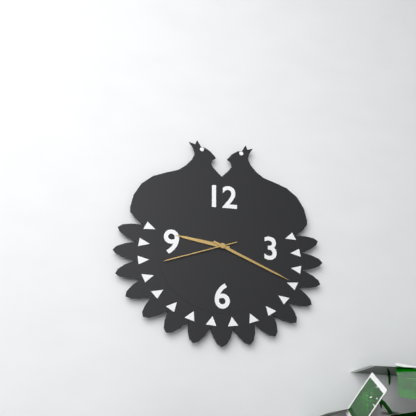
9:19:42
